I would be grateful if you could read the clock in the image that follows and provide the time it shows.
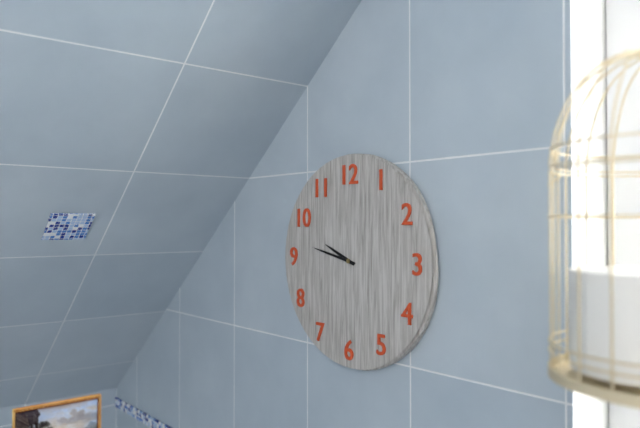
9:47
